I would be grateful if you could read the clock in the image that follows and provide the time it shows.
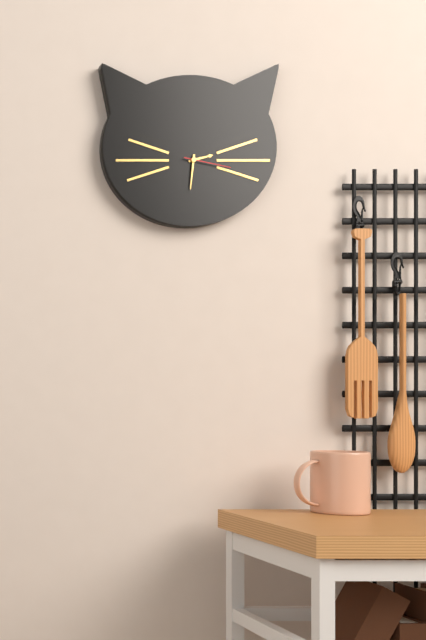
2:31:17
